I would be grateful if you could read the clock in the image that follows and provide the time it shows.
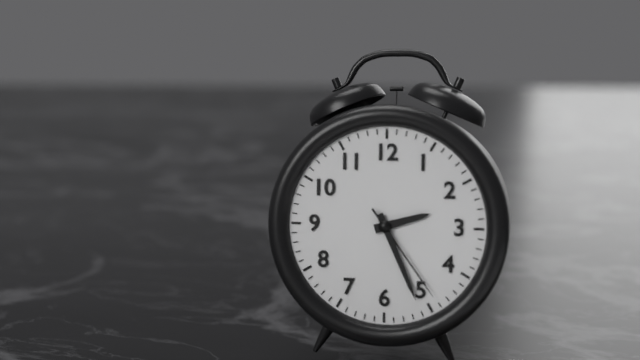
2:26:24
